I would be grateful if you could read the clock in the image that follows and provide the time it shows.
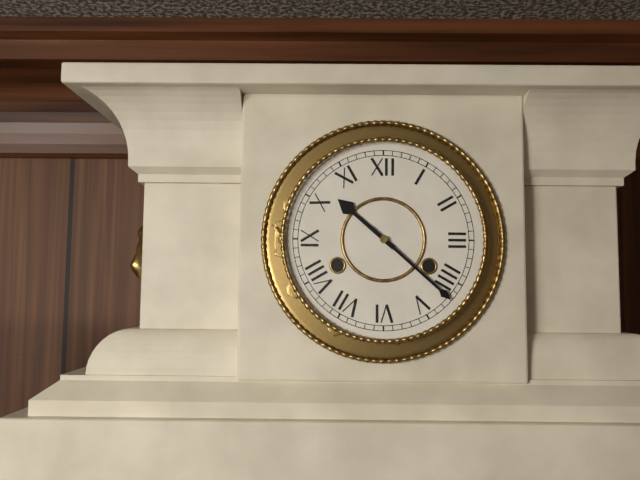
10:22
